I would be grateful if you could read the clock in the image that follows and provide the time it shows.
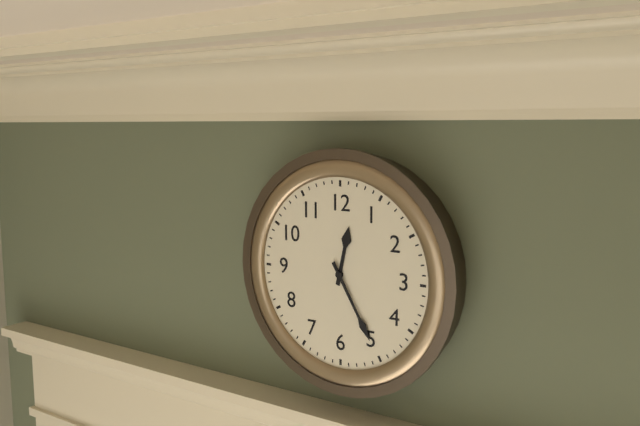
12:25
